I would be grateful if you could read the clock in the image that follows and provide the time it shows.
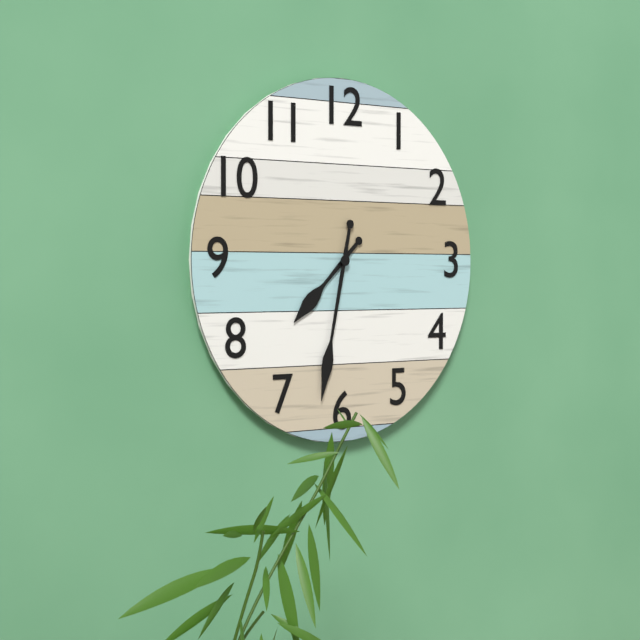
7:32
